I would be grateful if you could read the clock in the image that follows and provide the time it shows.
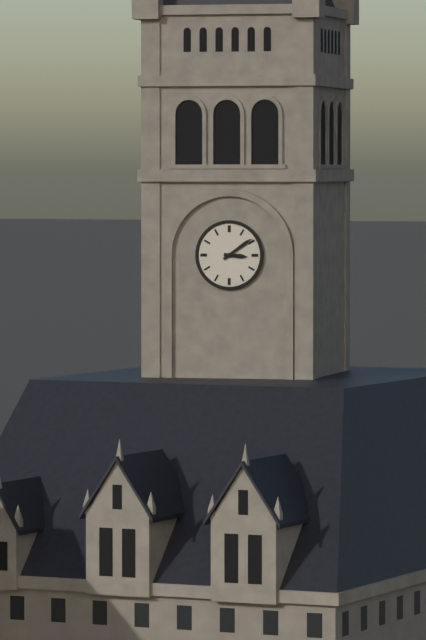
3:09
